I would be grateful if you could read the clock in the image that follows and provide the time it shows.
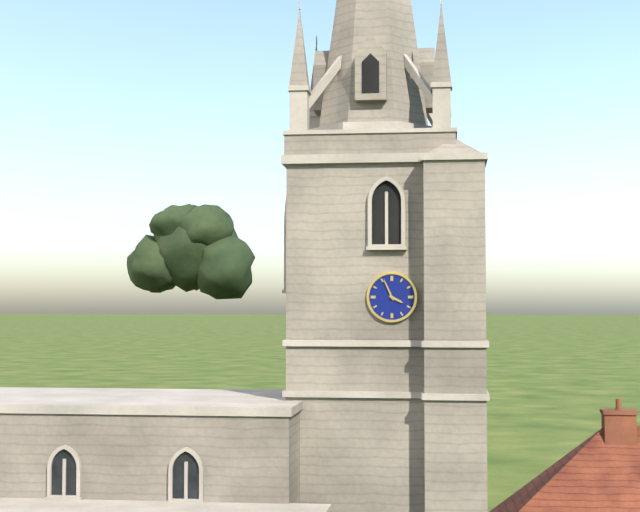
3:56
